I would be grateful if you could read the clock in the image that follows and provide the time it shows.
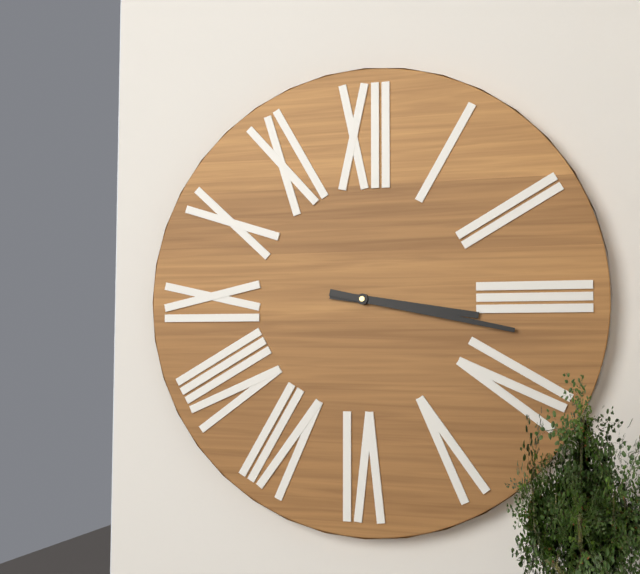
3:17
